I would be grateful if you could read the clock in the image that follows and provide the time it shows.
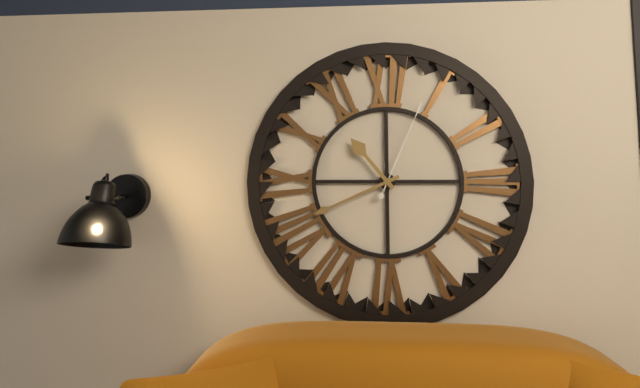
10:41:04
